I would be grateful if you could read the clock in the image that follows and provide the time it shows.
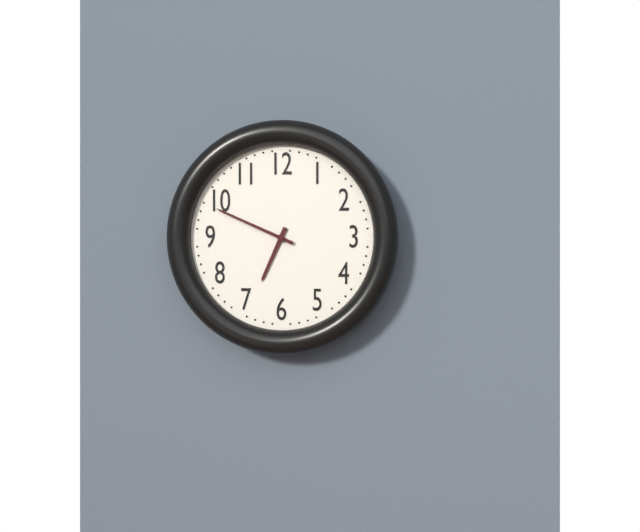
6:49
